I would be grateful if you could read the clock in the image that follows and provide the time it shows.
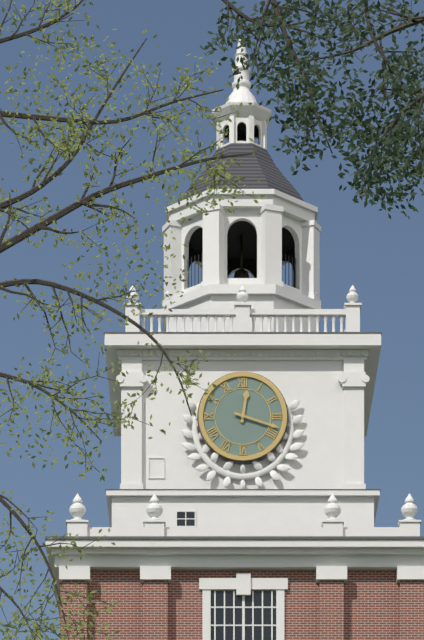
12:18
